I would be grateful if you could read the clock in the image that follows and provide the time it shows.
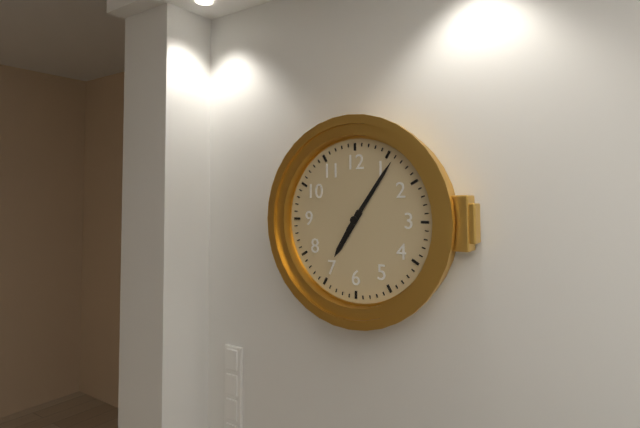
7:06
